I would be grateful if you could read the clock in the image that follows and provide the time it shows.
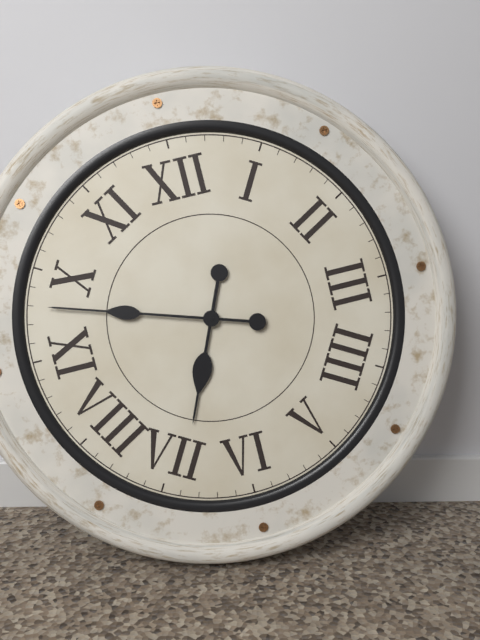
6:48
